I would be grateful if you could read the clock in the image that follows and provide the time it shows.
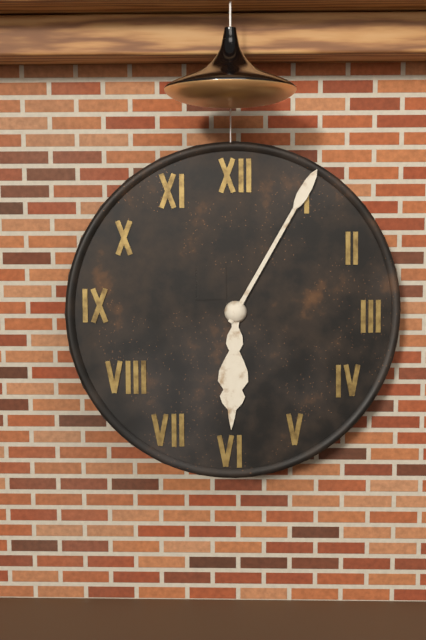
6:05
